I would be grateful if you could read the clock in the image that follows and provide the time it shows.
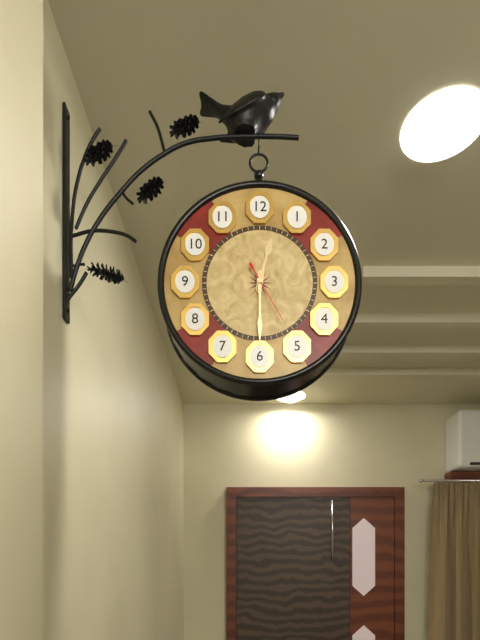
12:30:25
